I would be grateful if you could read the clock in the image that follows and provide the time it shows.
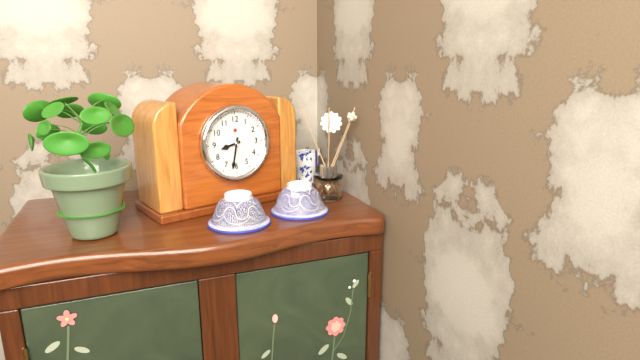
8:32
